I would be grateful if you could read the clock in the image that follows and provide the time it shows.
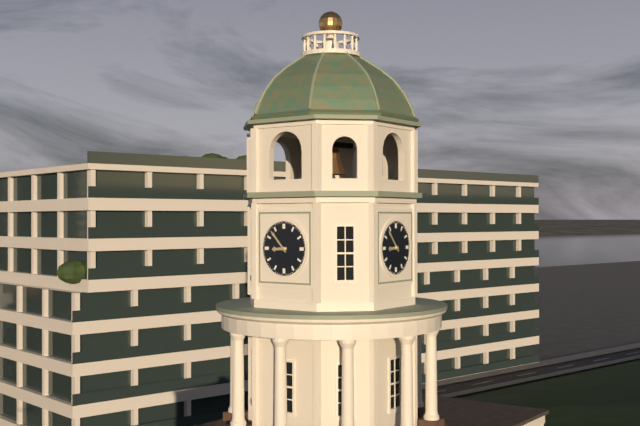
8:53
